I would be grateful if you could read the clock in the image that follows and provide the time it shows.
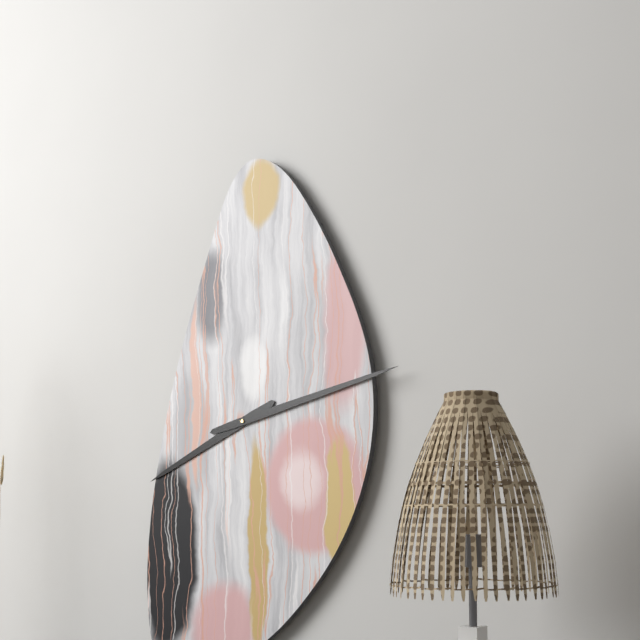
8:13
